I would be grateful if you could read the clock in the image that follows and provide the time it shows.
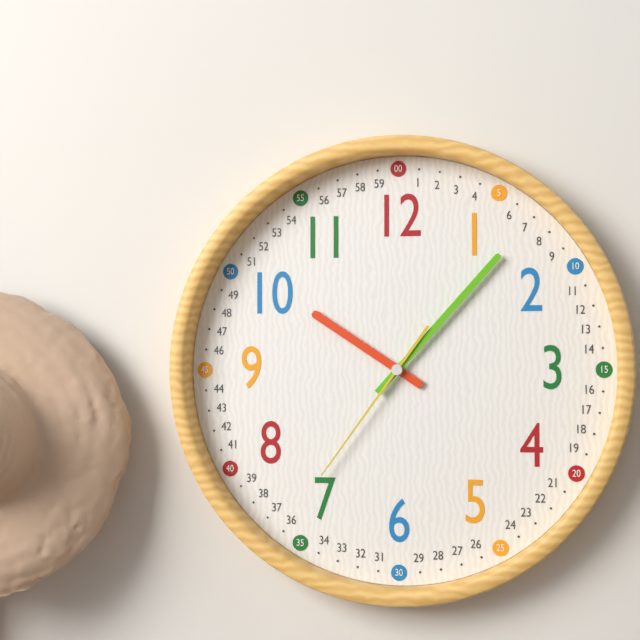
10:07:36
